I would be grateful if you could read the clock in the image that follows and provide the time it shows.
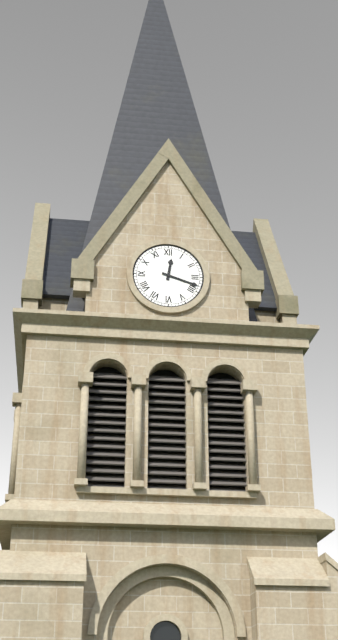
12:18
